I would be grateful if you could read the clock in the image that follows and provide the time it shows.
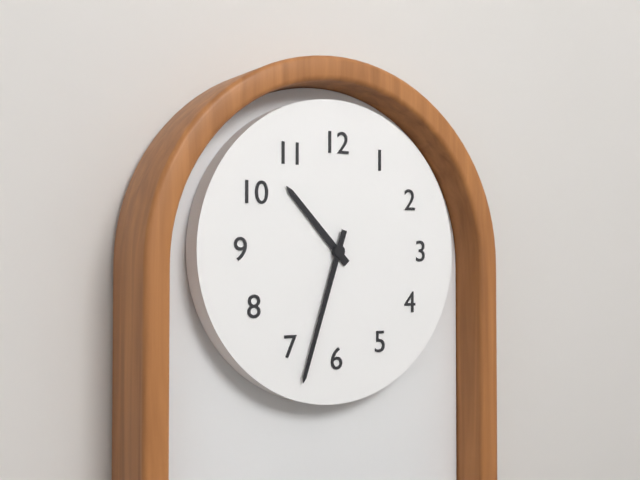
10:33
